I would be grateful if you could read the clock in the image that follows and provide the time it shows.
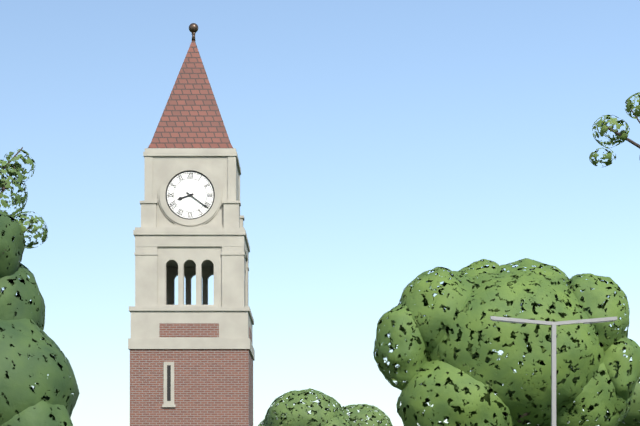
8:21
